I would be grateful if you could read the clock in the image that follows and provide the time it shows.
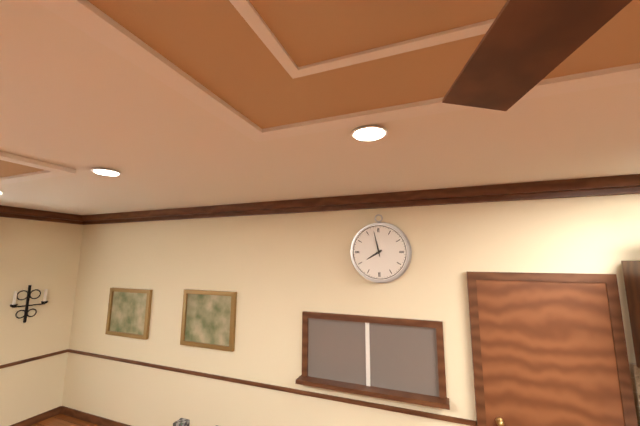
7:58
